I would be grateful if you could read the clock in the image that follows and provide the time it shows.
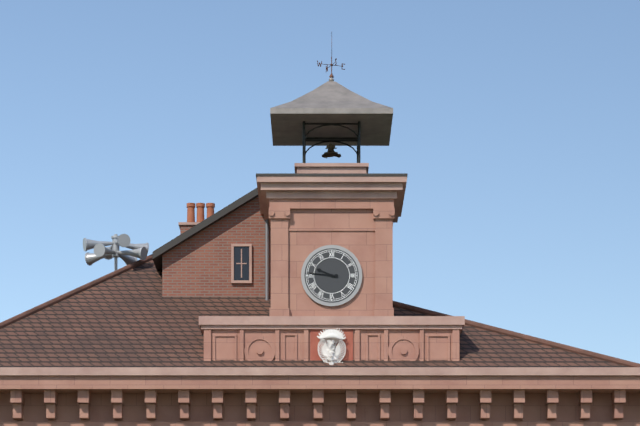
9:46
